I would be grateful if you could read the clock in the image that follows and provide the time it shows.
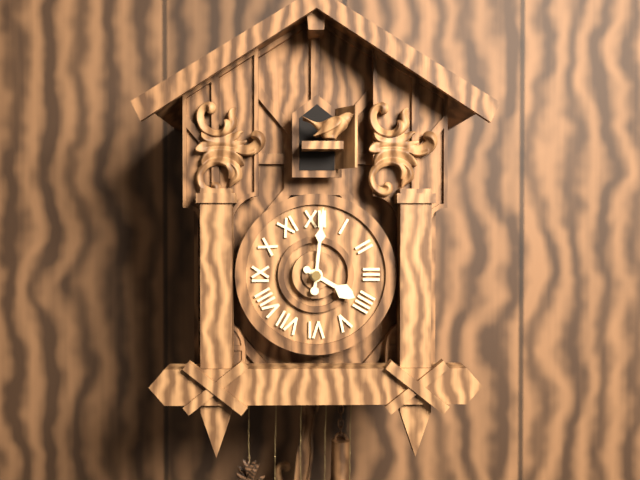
4:01
